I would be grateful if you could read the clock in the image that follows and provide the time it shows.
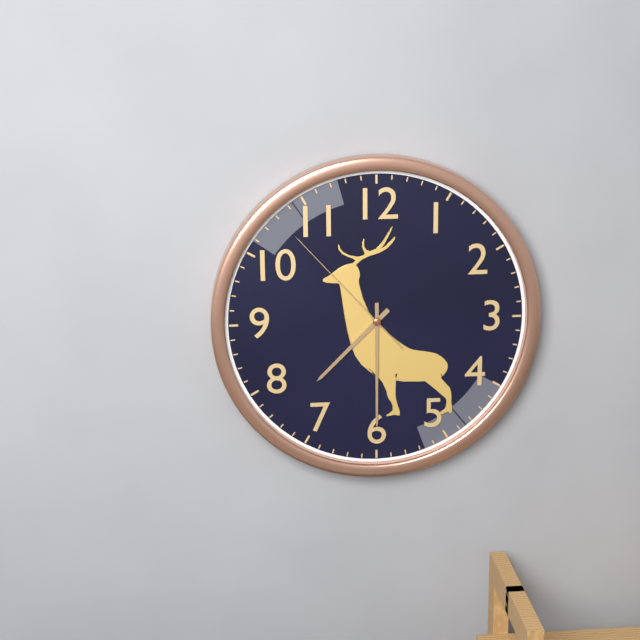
7:30:53
